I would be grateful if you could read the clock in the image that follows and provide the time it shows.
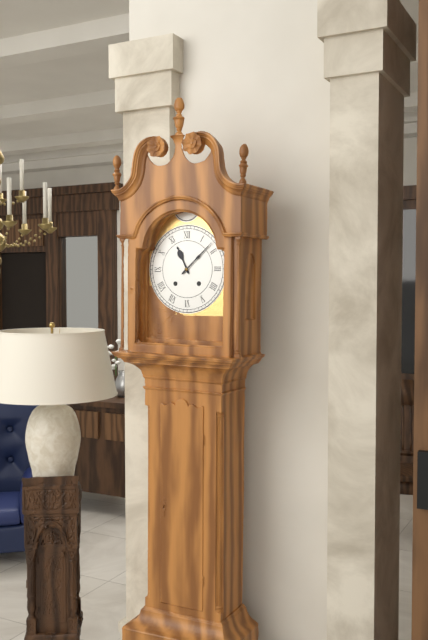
11:08
